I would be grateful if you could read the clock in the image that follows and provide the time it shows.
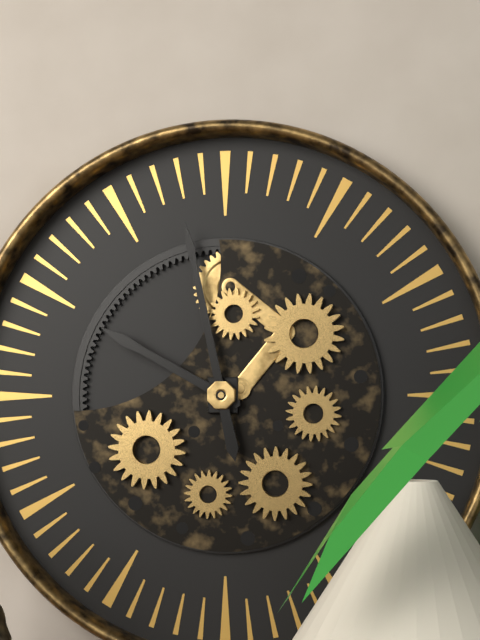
9:58
